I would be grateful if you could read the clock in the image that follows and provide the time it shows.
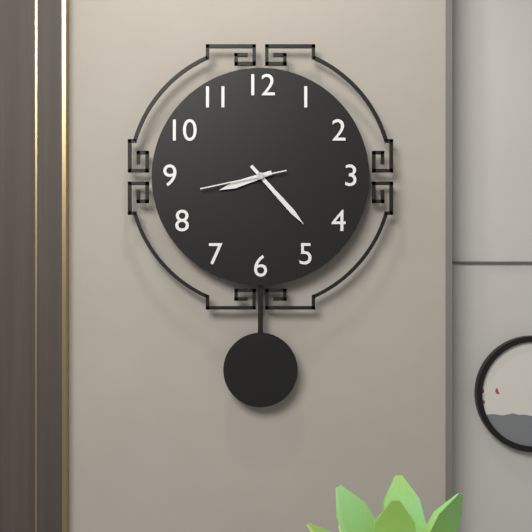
8:23:43
